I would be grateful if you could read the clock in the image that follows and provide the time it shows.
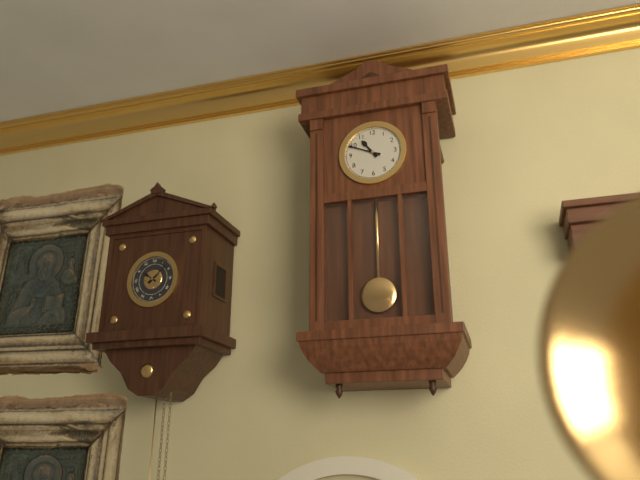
10:49
